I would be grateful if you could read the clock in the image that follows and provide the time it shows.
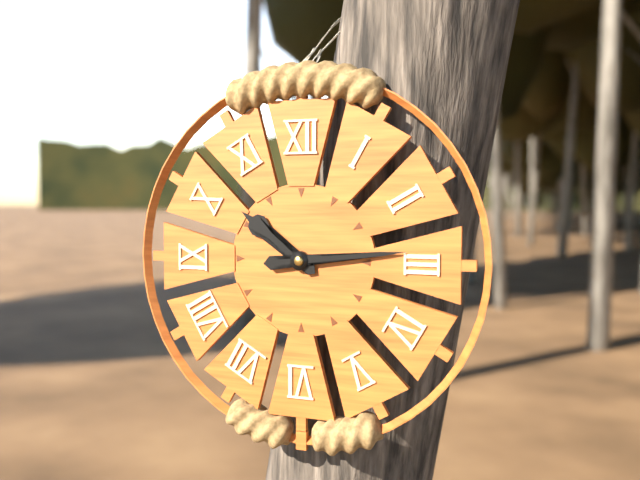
10:14
